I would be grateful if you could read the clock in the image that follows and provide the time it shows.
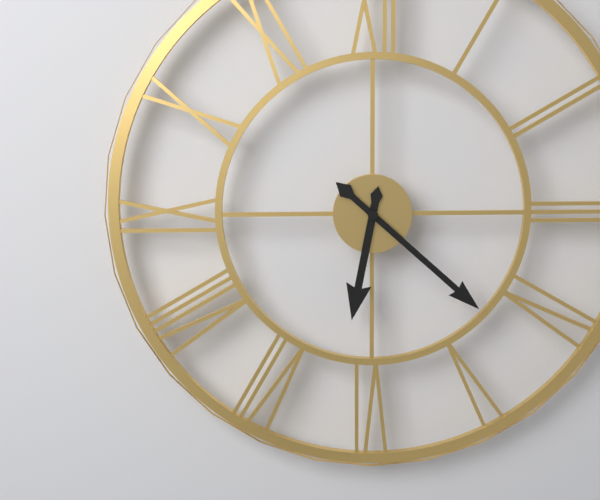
6:22
